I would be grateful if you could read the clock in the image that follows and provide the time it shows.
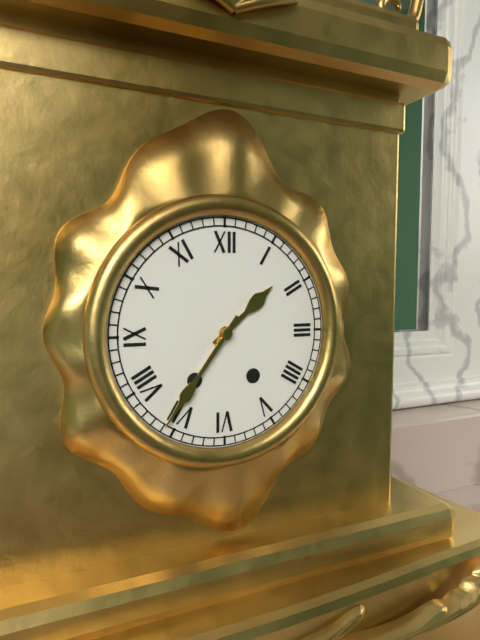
1:36
